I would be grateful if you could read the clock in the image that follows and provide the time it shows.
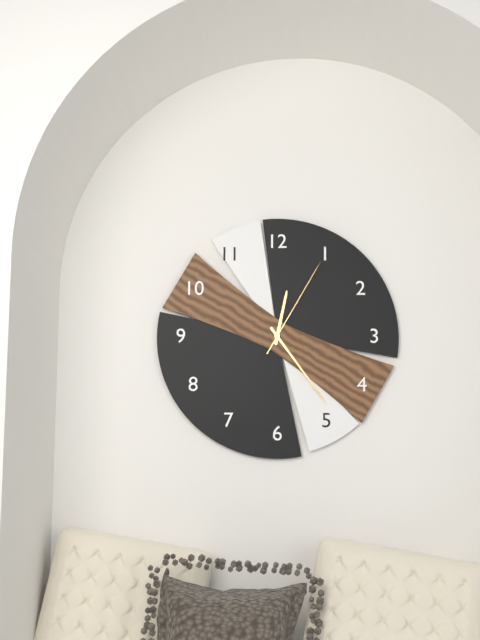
12:24:05
